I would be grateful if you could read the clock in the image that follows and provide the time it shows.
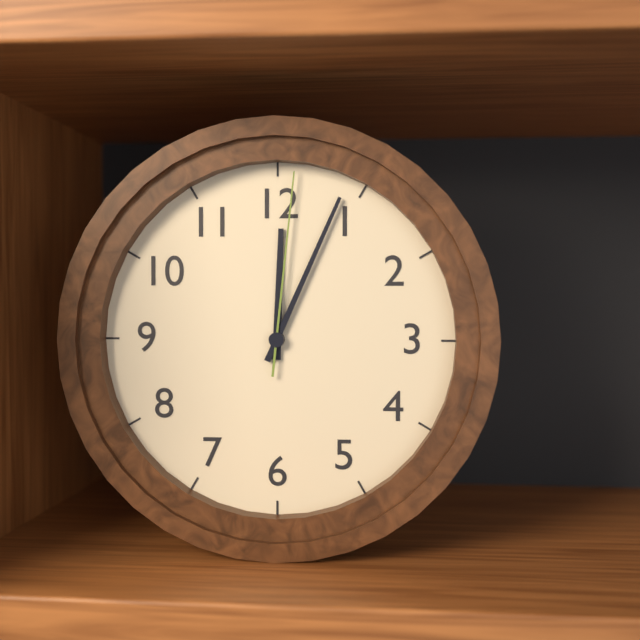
12:04:01
